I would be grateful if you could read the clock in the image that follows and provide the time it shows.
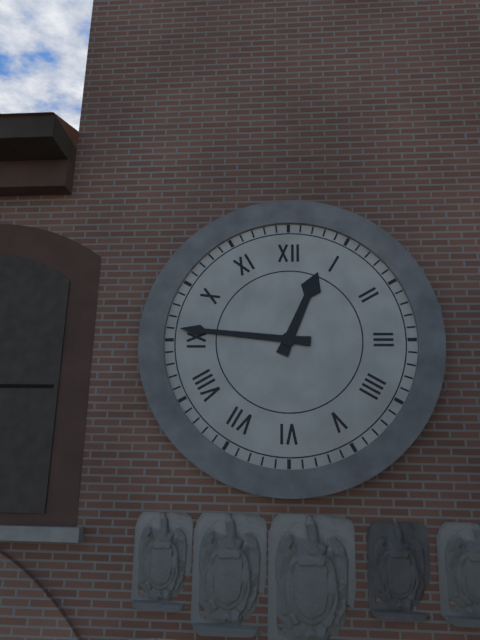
12:46
